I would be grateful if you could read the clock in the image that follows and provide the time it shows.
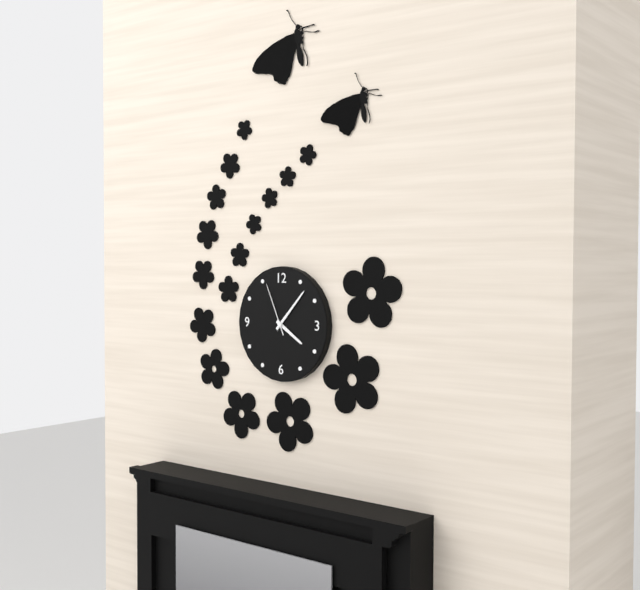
4:07:56
